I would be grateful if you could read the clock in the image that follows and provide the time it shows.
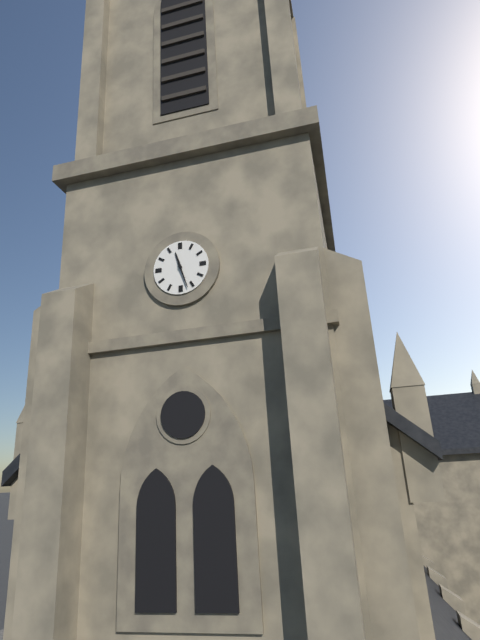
11:27
